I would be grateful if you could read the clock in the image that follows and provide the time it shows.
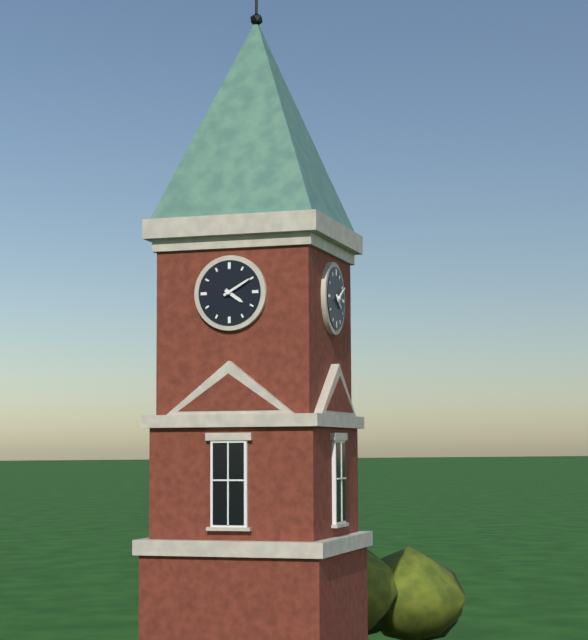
4:10
